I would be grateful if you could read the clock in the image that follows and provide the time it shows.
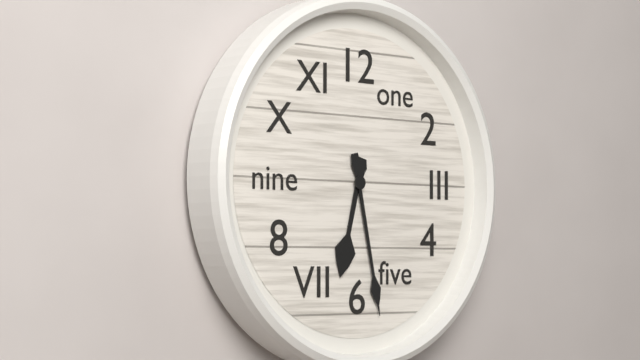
6:28
